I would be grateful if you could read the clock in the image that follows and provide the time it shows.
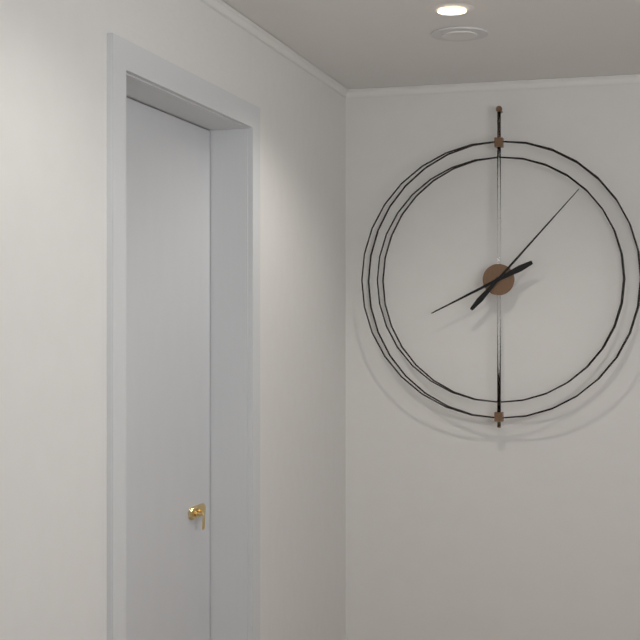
8:07
